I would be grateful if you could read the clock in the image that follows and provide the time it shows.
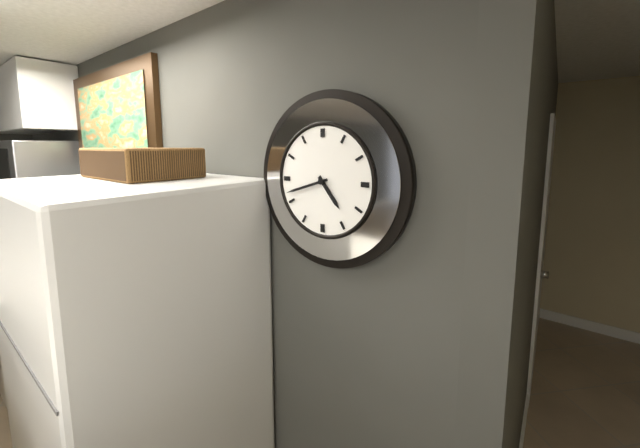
4:42
